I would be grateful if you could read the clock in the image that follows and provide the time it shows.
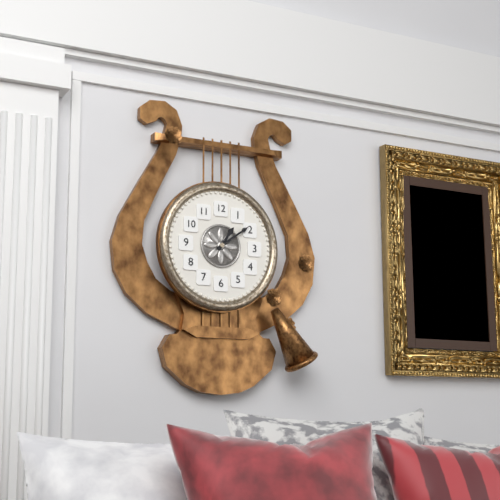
1:09
